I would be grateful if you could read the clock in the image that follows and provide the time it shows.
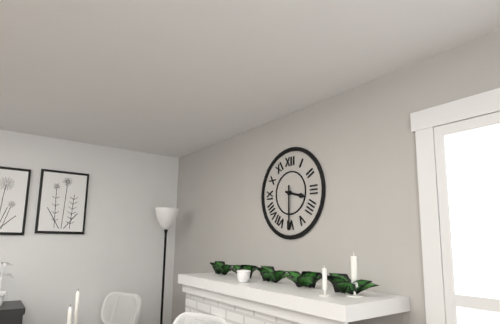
3:30
